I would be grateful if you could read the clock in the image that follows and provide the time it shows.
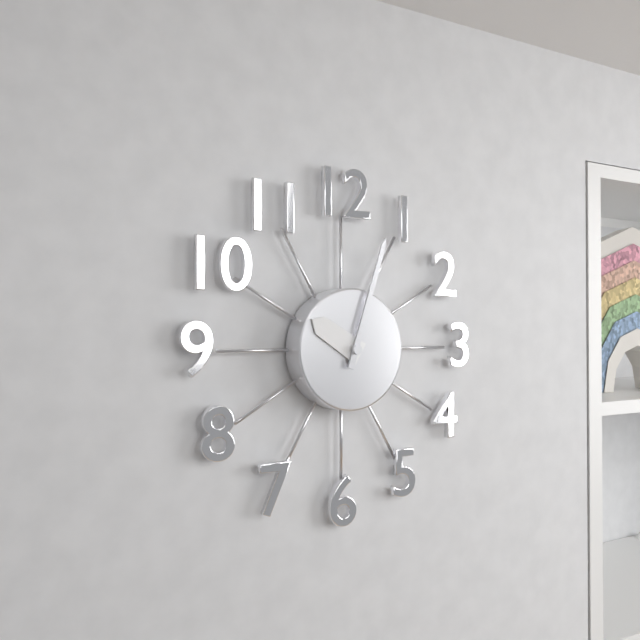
10:03
